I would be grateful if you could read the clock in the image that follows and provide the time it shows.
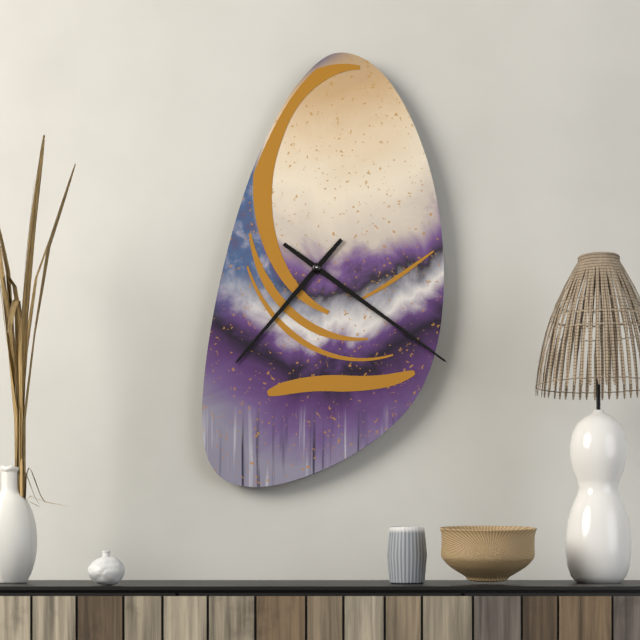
7:21
